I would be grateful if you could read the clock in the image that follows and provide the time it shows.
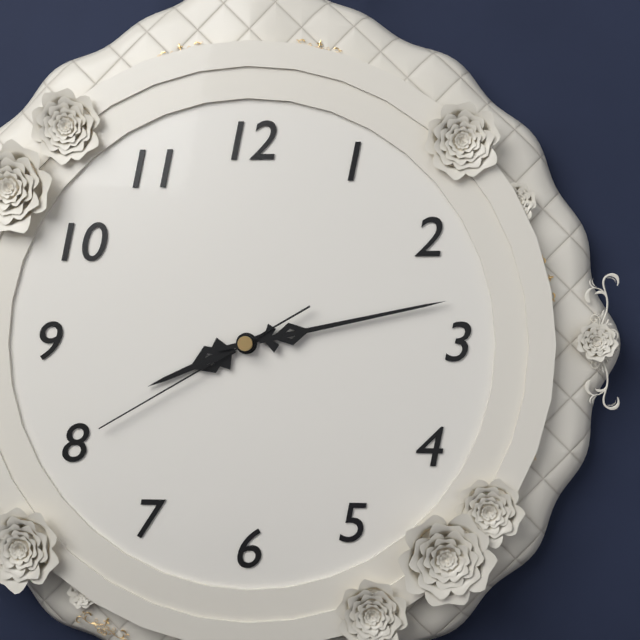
8:13:40
